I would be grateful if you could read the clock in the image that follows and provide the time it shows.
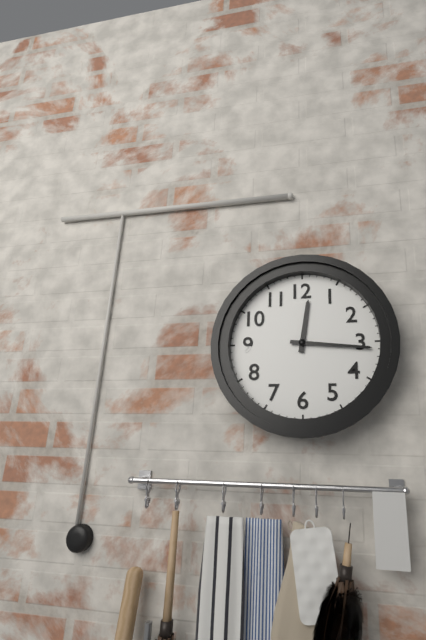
12:16
